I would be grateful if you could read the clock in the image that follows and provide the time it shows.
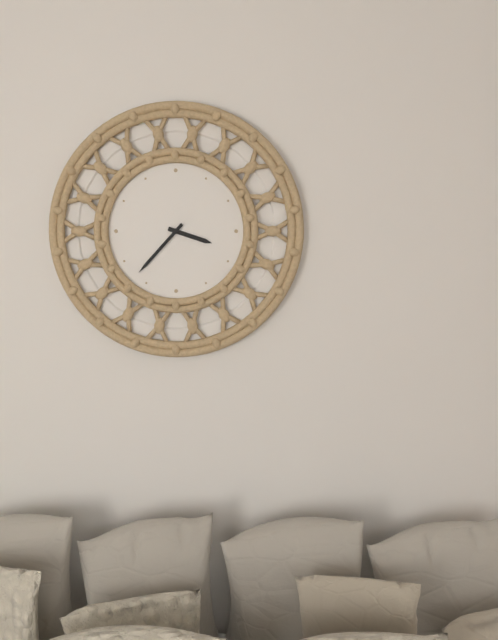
3:37
